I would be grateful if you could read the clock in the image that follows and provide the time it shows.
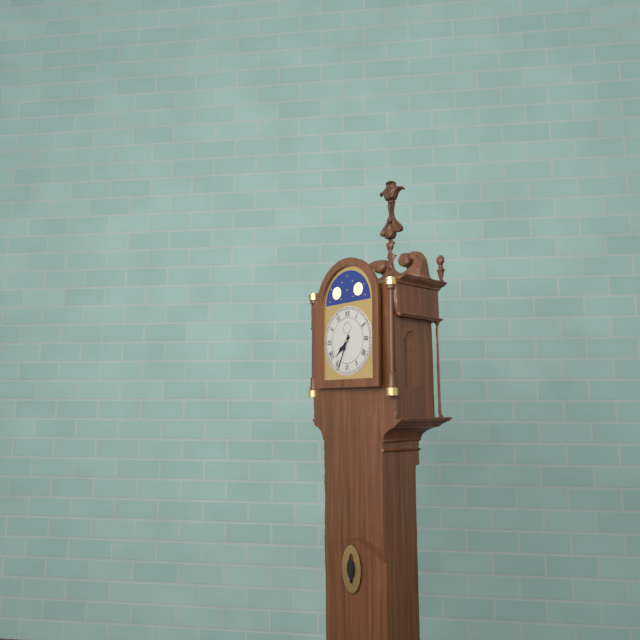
7:34
